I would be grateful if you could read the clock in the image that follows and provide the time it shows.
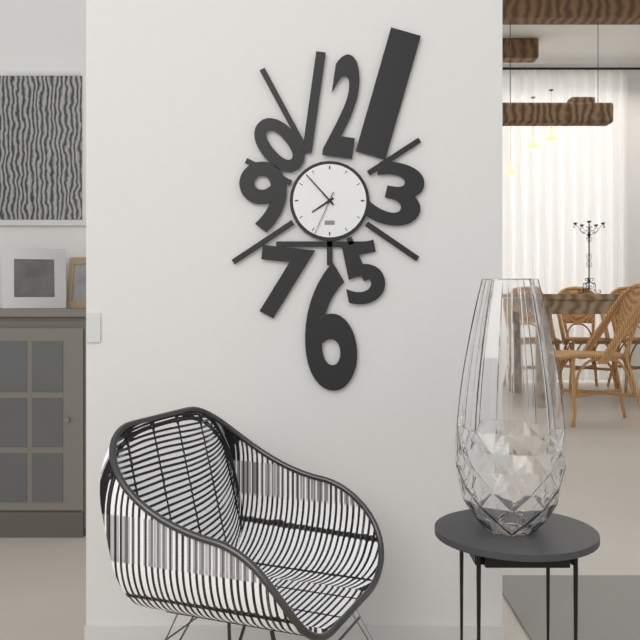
7:53
